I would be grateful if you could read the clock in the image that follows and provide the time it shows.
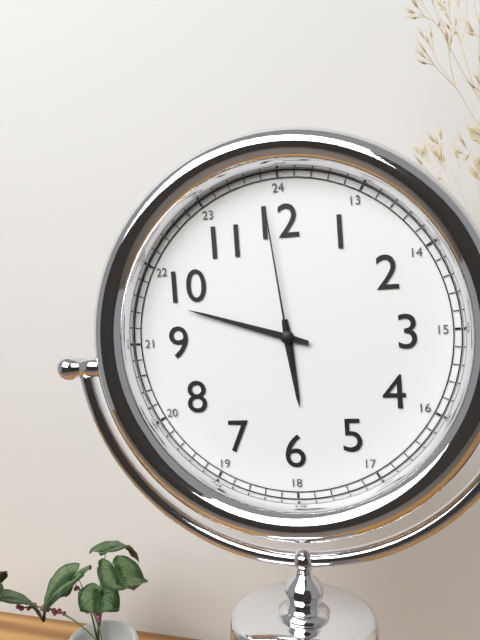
5:48:59
